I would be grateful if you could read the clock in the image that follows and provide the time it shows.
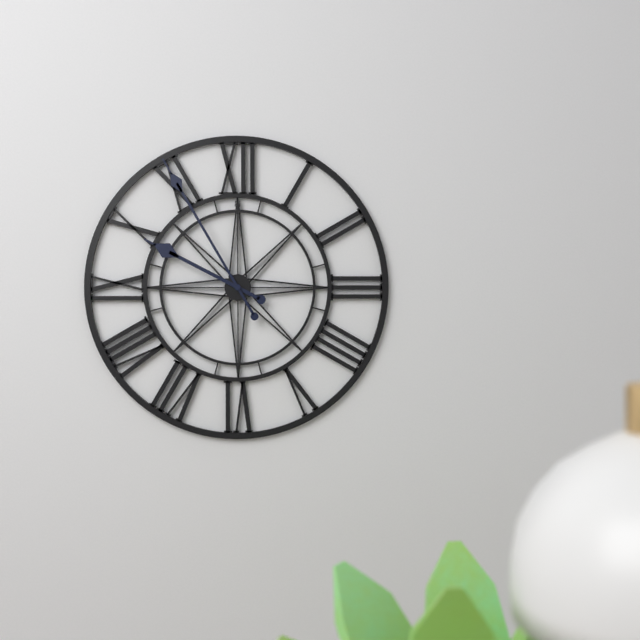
9:55
